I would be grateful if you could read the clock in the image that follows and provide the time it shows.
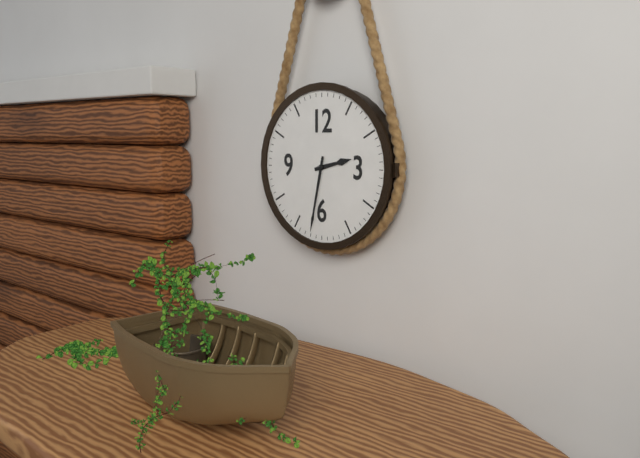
2:32
